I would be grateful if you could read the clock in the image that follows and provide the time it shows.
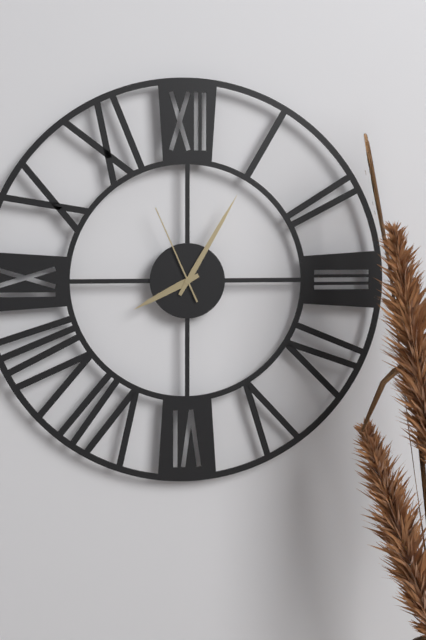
8:05:56
